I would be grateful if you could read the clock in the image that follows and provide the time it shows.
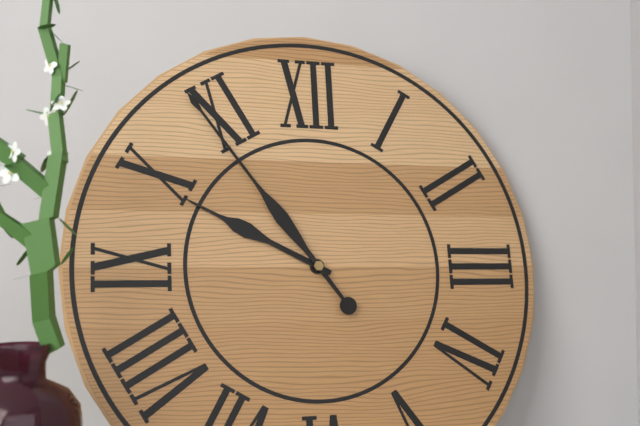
9:54
